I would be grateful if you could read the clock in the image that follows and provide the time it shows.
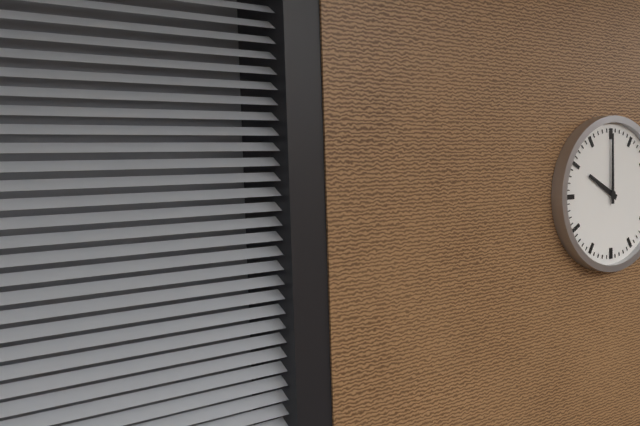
10:00
